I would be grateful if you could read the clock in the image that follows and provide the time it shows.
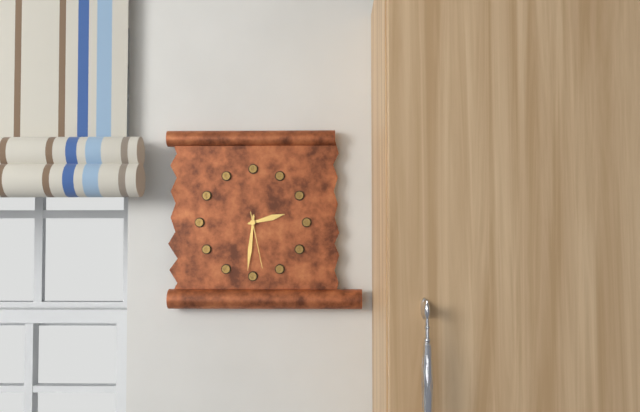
2:31:28
